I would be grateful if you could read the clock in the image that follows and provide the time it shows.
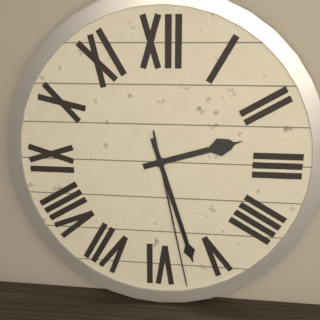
2:27:28
